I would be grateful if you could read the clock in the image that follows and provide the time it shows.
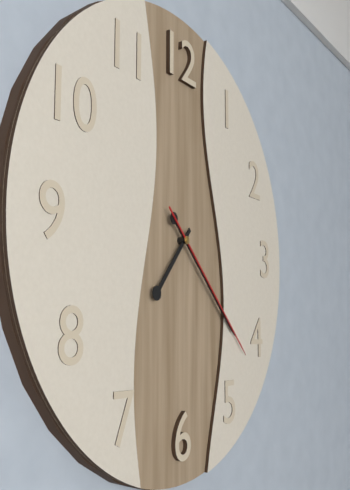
7:22:22
